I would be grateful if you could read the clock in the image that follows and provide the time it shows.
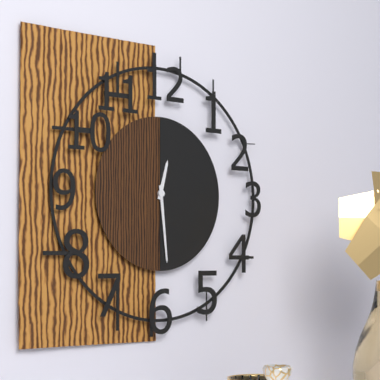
12:29
